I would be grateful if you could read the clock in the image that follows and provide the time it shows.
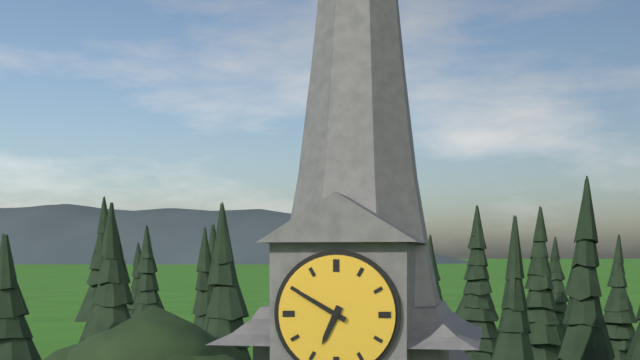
6:50
